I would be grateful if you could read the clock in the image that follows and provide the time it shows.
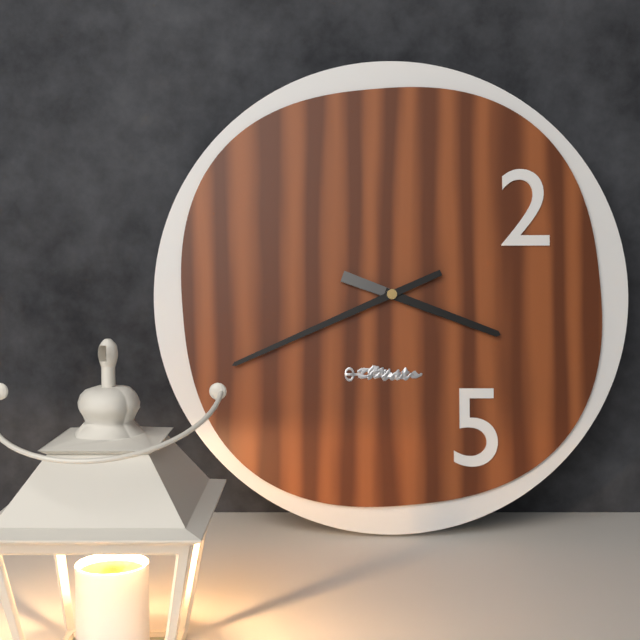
3:41
